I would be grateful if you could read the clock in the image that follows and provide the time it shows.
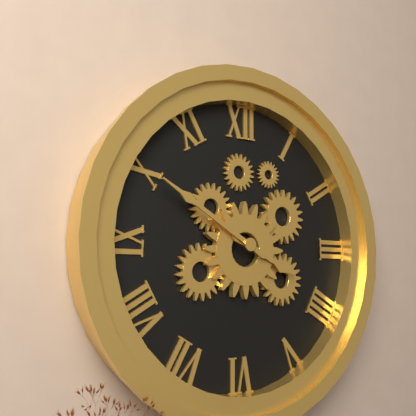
3:50
